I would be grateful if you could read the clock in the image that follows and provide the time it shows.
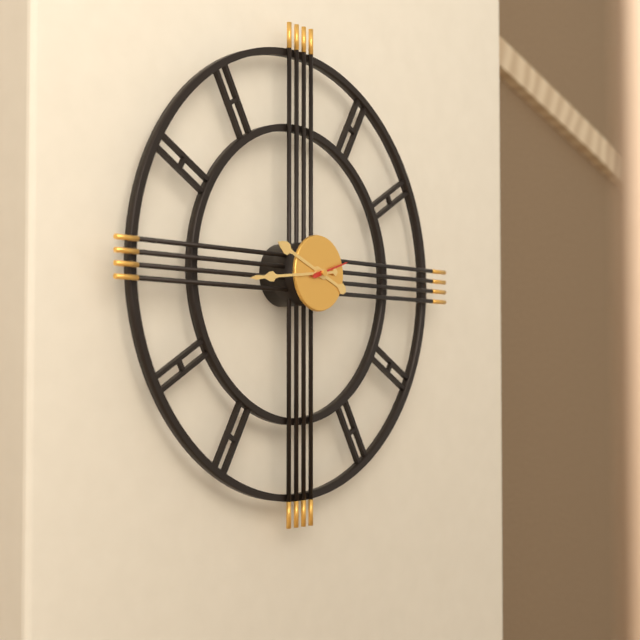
9:44
